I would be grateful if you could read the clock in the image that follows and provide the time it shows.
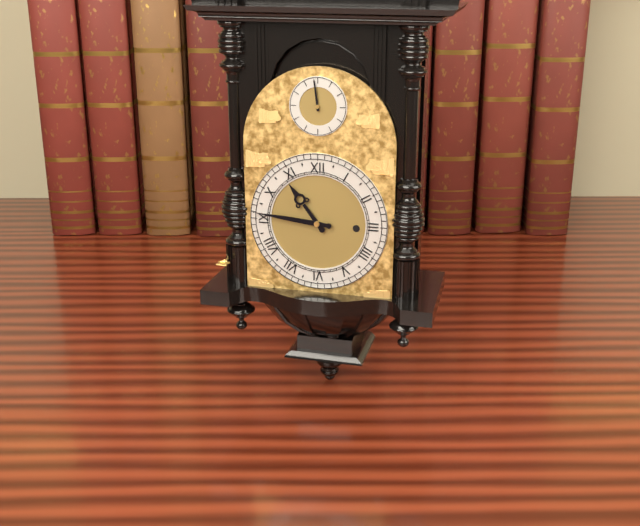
10:46
